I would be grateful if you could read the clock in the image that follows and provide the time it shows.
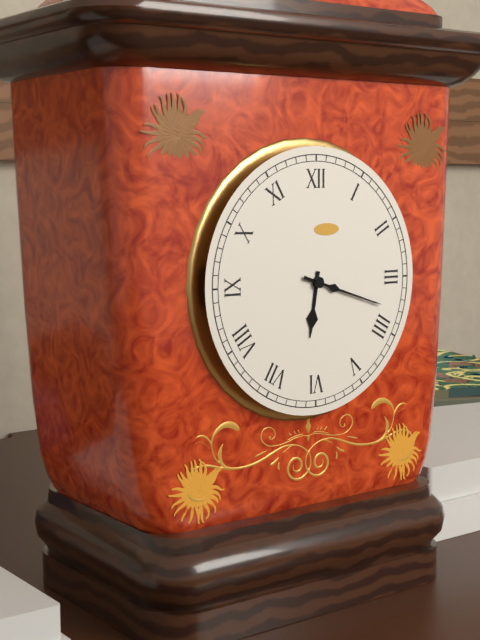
6:18
